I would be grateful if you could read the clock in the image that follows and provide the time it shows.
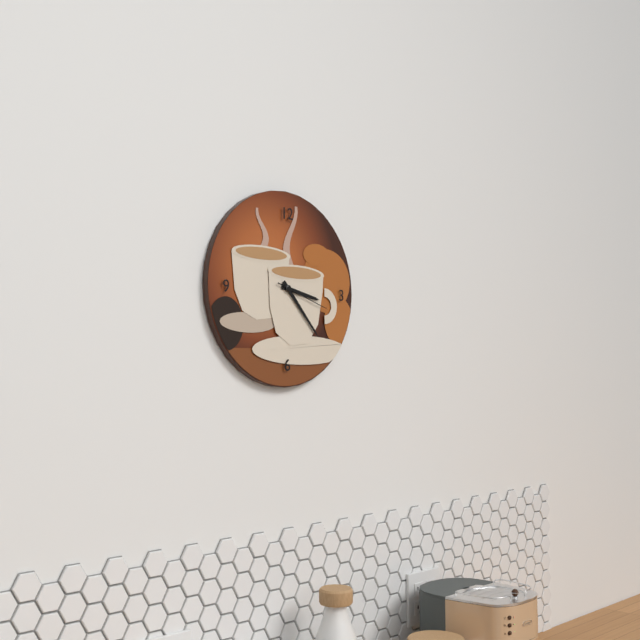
3:23:18
